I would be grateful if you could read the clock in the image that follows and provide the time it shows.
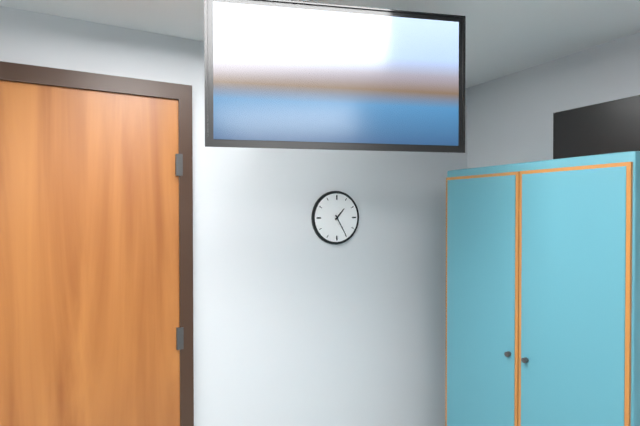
1:25
